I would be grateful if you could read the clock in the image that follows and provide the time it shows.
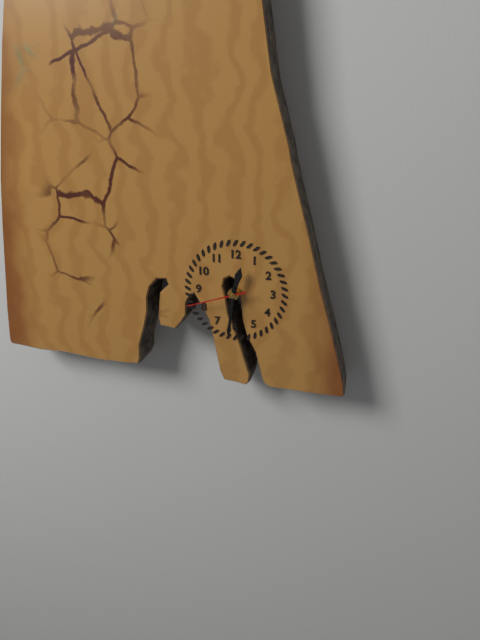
12:31:42
